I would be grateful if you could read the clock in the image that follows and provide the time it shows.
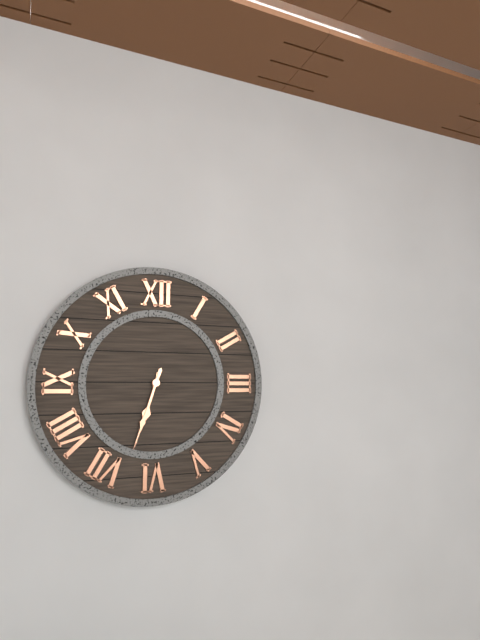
6:33
